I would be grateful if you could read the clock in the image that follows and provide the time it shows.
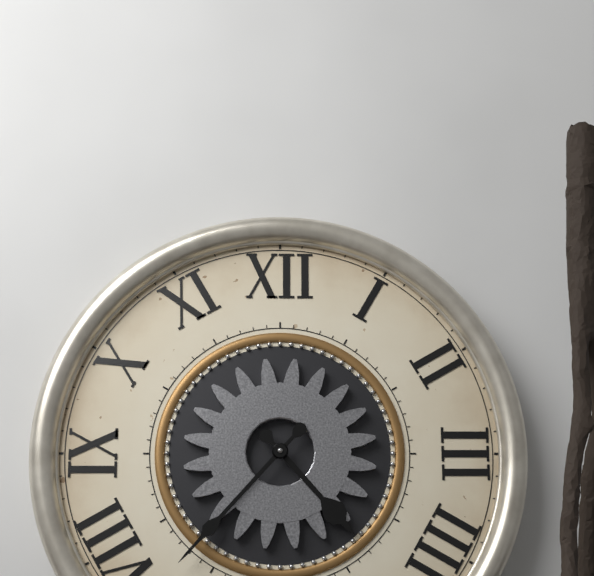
4:37
